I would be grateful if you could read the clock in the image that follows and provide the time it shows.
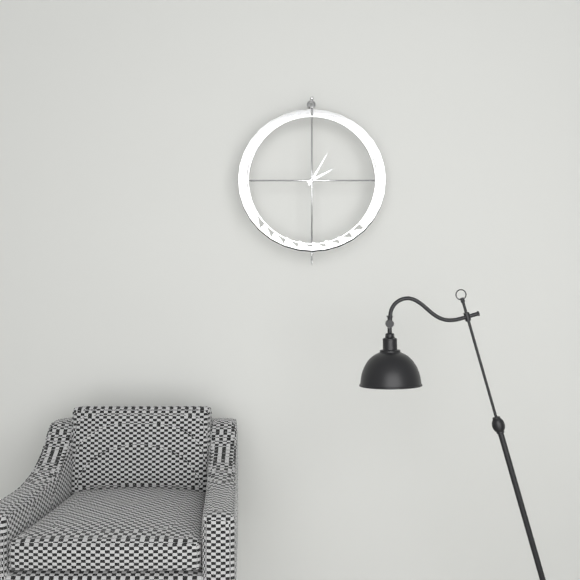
2:05
